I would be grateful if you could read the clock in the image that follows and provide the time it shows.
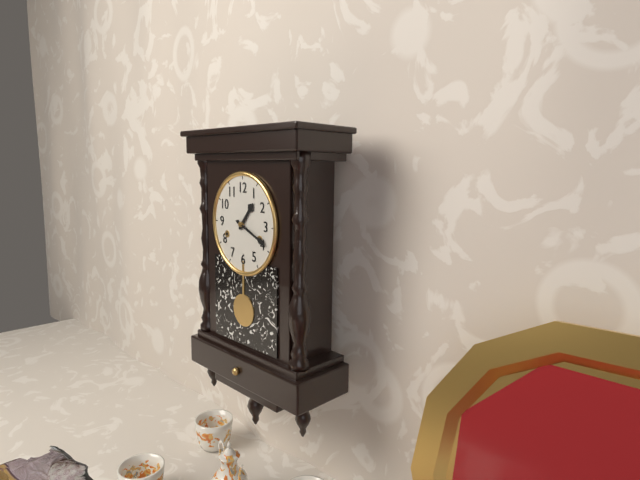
1:19
